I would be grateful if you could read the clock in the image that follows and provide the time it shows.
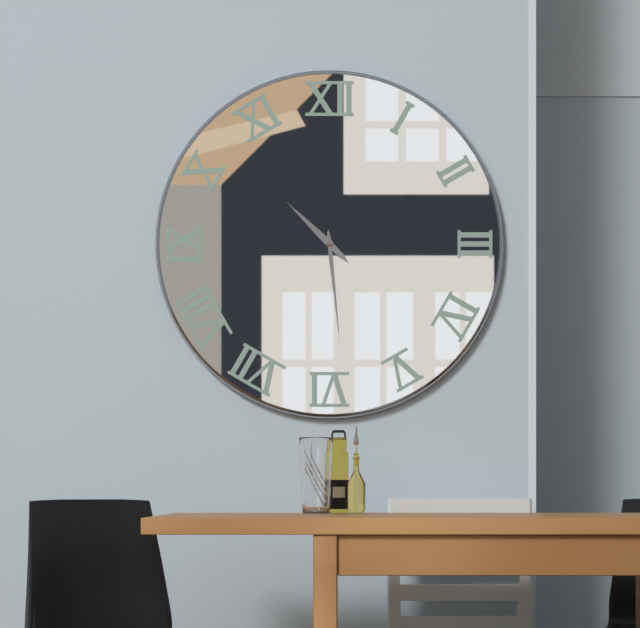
10:29
